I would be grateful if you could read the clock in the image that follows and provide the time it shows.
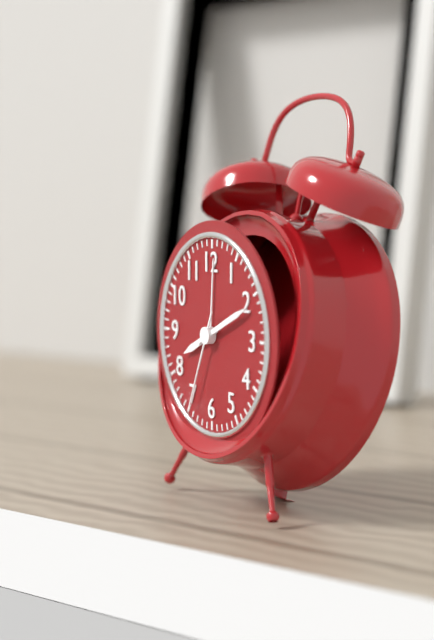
8:11:34
